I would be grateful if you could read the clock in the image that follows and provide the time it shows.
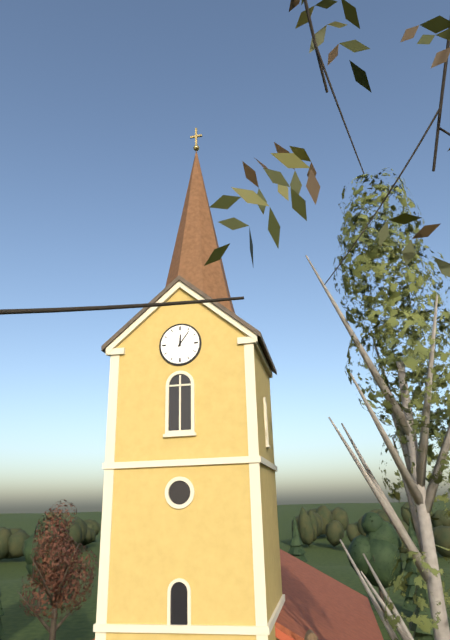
12:06
